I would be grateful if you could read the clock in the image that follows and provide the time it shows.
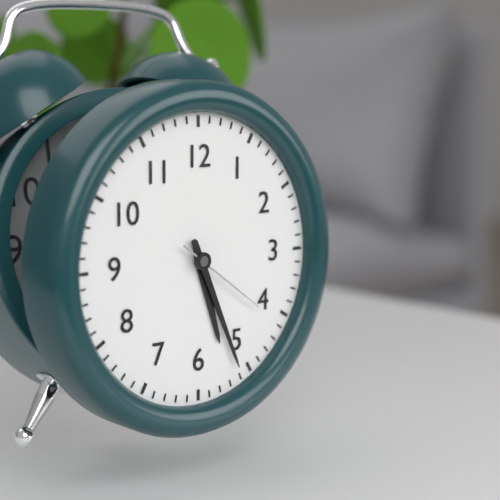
5:26:21
